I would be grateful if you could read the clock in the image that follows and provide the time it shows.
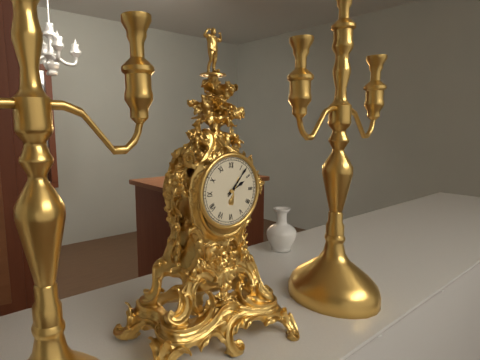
2:07
